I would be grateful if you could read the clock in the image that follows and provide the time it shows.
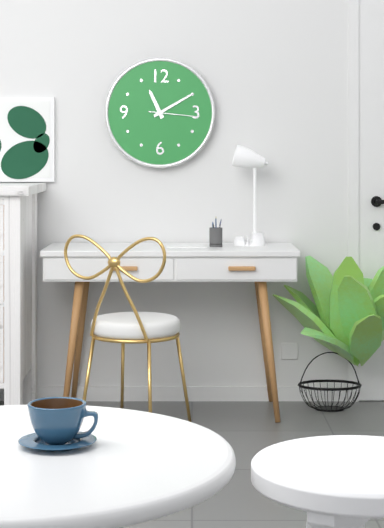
11:10:16
